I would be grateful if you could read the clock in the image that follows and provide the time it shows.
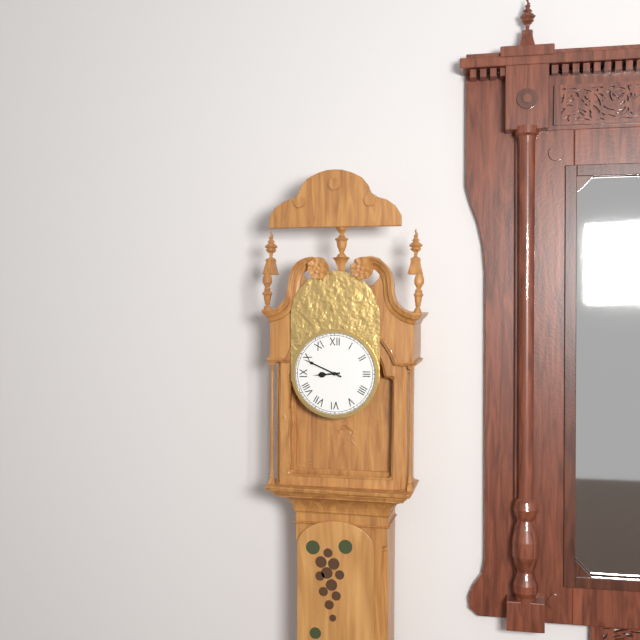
8:49
